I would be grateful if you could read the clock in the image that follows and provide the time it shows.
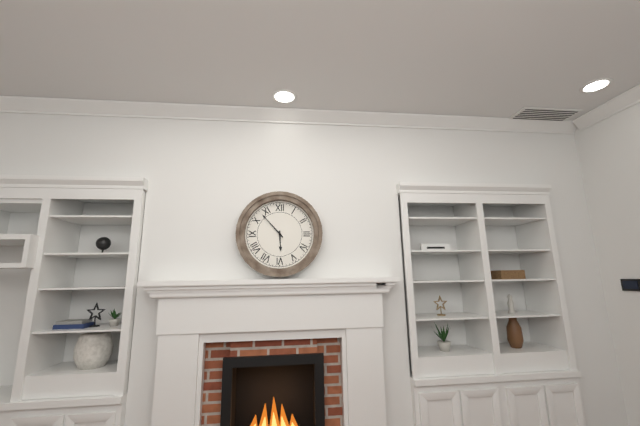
5:53
